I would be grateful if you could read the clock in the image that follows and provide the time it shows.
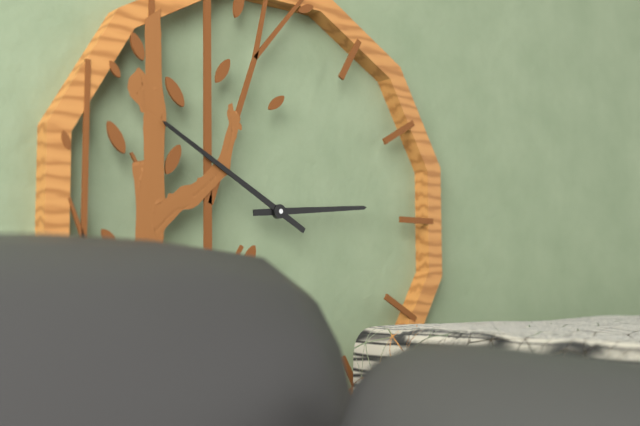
2:50
